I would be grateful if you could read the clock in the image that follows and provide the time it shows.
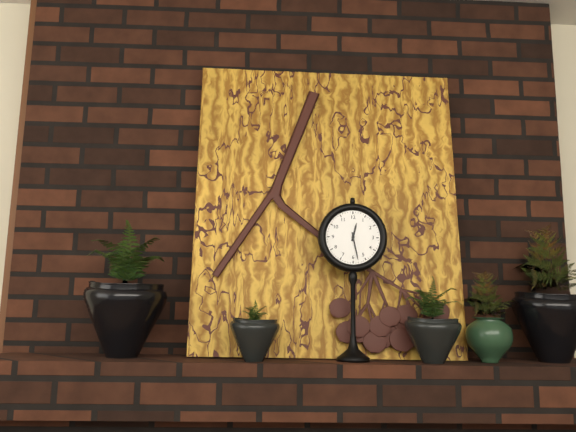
12:28
